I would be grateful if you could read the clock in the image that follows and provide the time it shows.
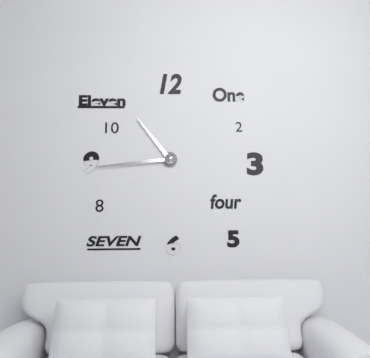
10:44
